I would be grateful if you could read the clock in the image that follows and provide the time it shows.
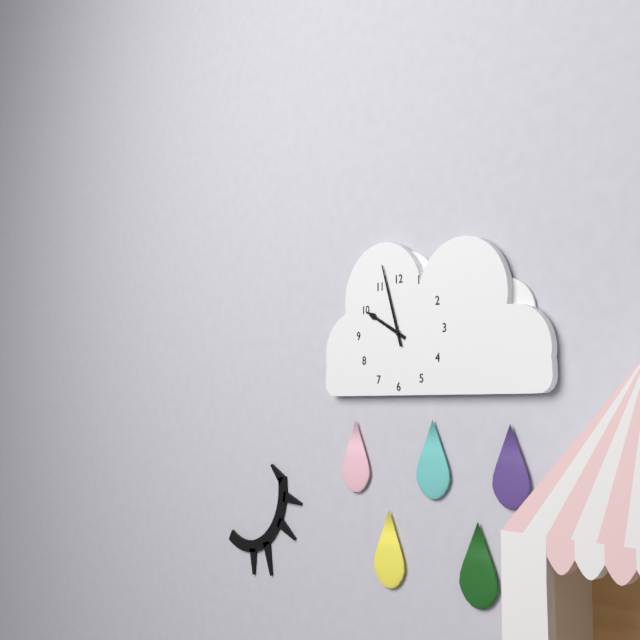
9:57
